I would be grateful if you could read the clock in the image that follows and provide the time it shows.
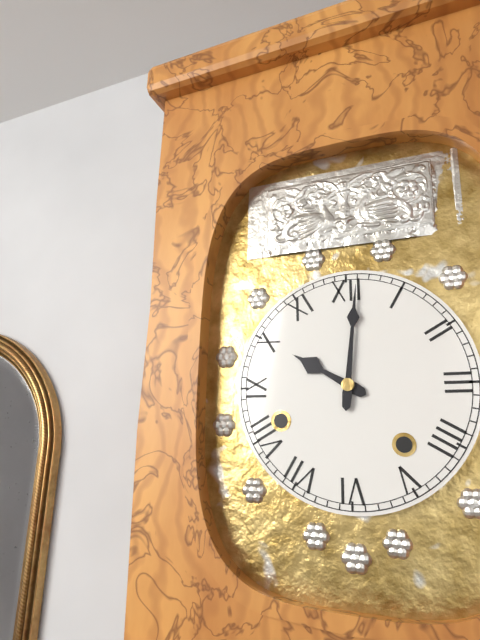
10:01
